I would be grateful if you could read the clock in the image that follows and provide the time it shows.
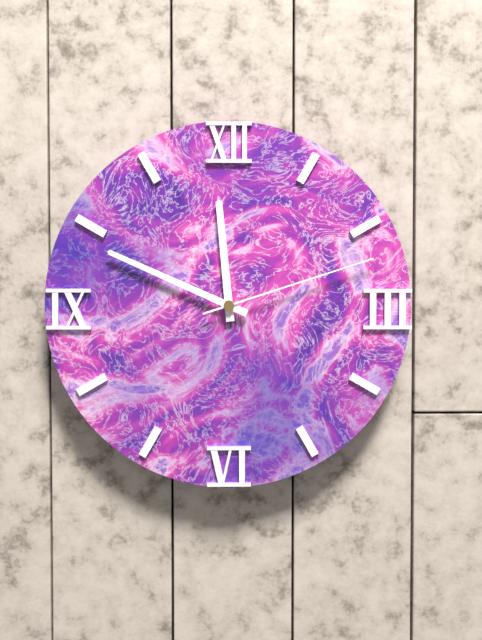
11:49:12
